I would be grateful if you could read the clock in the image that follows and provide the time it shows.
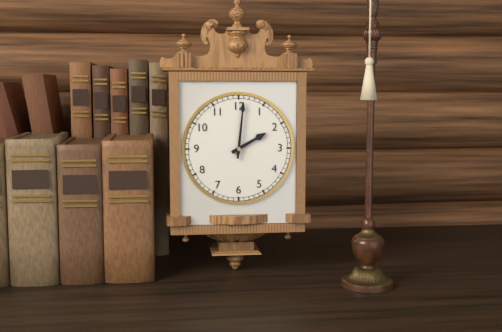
2:01
